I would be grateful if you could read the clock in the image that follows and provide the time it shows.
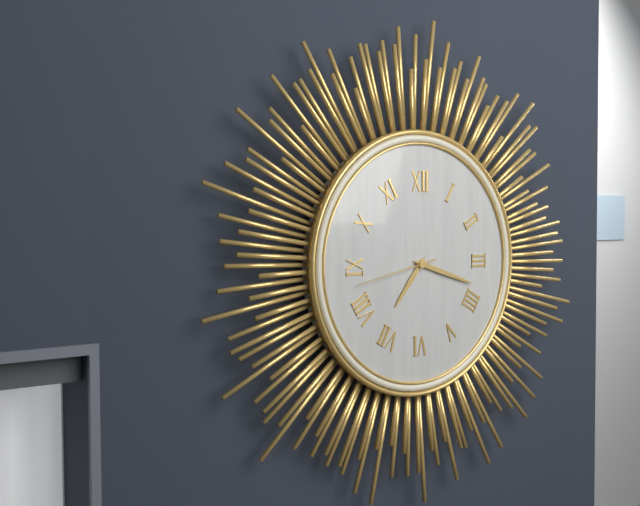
7:18:43
